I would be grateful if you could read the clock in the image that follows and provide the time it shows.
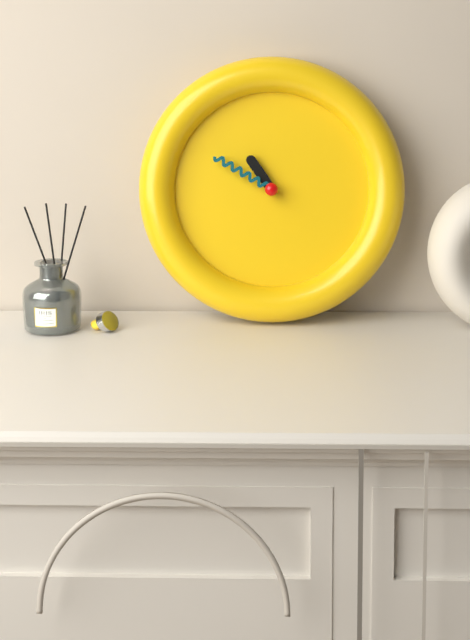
10:50
